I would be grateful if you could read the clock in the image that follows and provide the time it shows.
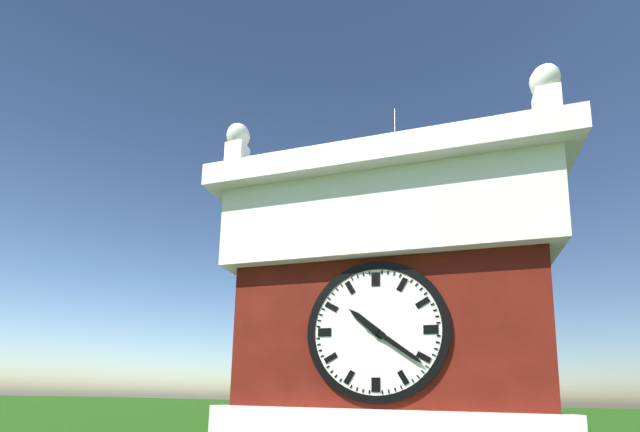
10:21
